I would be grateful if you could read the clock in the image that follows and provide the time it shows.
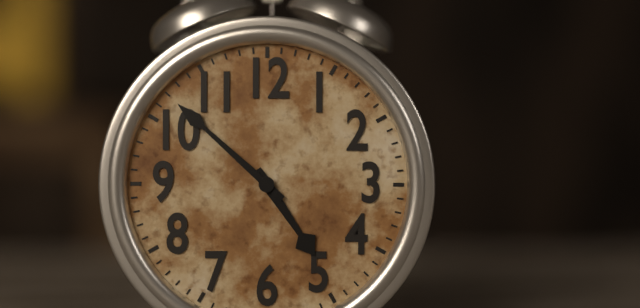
4:52
